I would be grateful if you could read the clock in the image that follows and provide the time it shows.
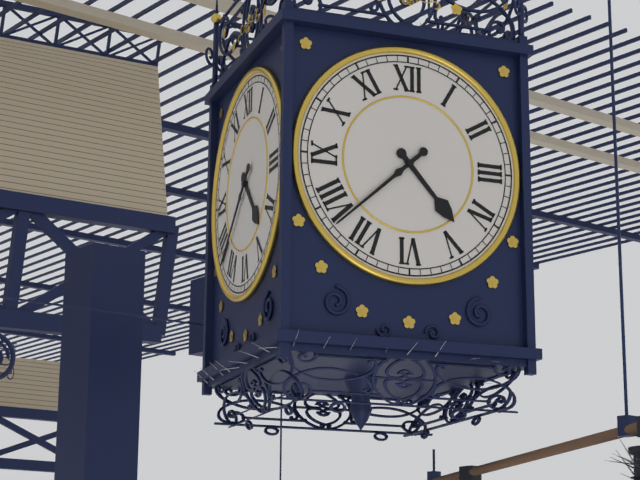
4:38
